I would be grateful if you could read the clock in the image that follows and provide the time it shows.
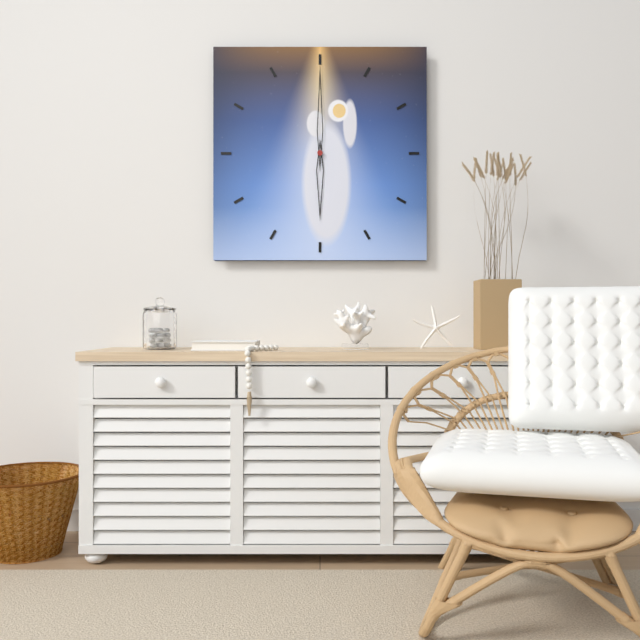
6:00
